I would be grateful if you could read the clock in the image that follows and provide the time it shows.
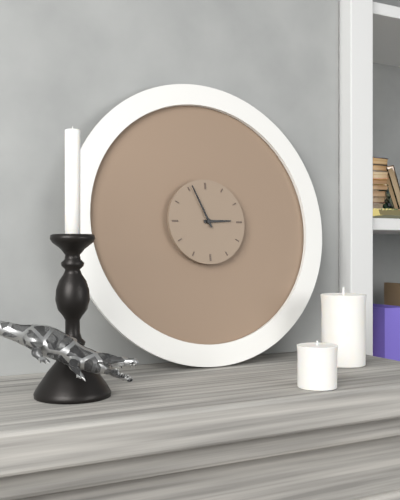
2:56
